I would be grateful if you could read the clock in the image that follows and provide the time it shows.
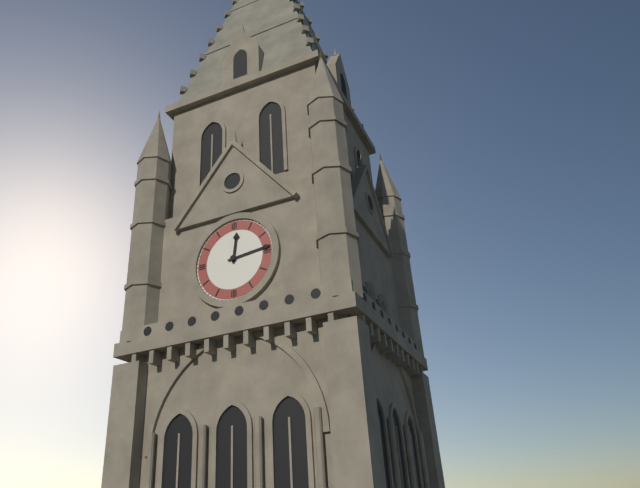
12:14
